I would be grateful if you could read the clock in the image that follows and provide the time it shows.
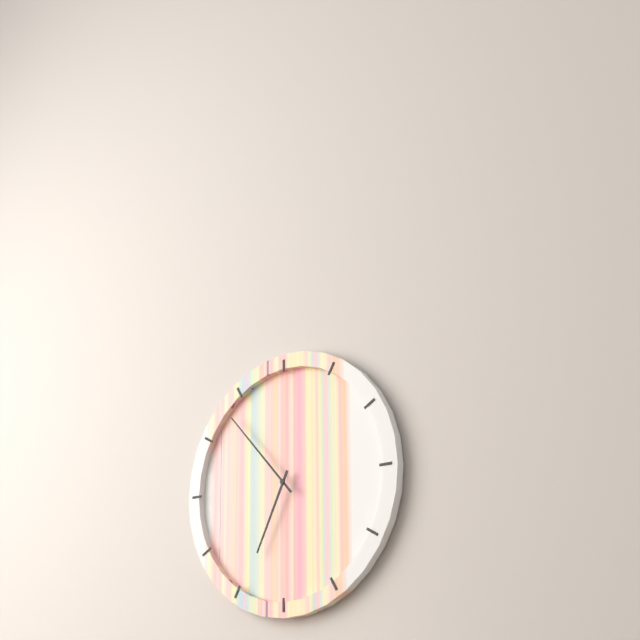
6:53
